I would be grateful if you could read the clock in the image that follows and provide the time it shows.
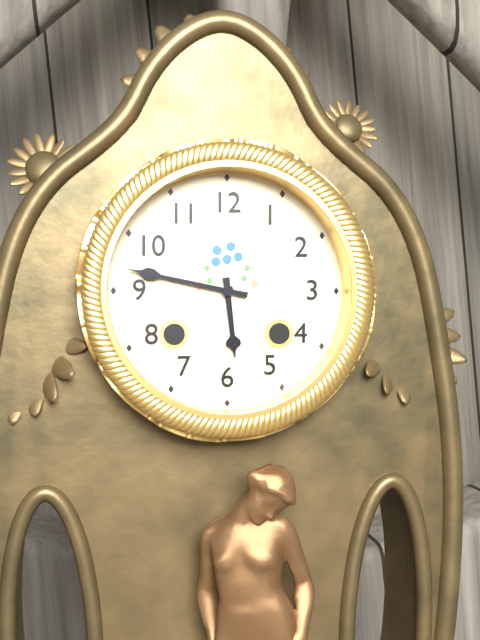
5:47
